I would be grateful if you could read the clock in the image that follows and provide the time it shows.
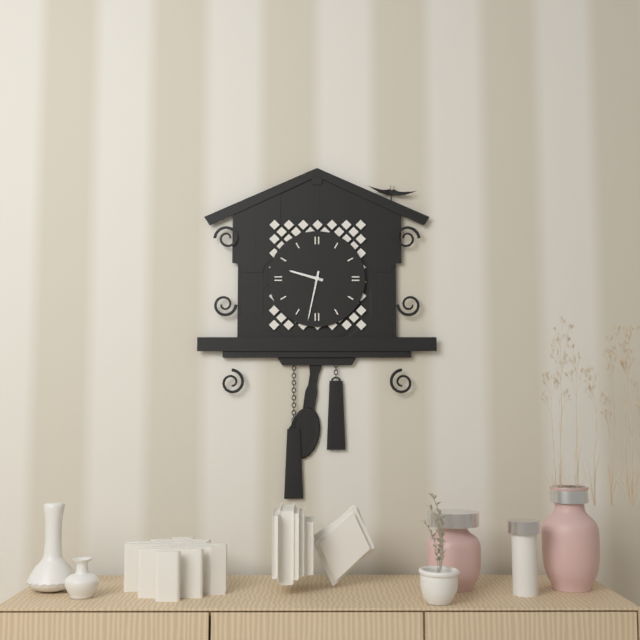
9:32
